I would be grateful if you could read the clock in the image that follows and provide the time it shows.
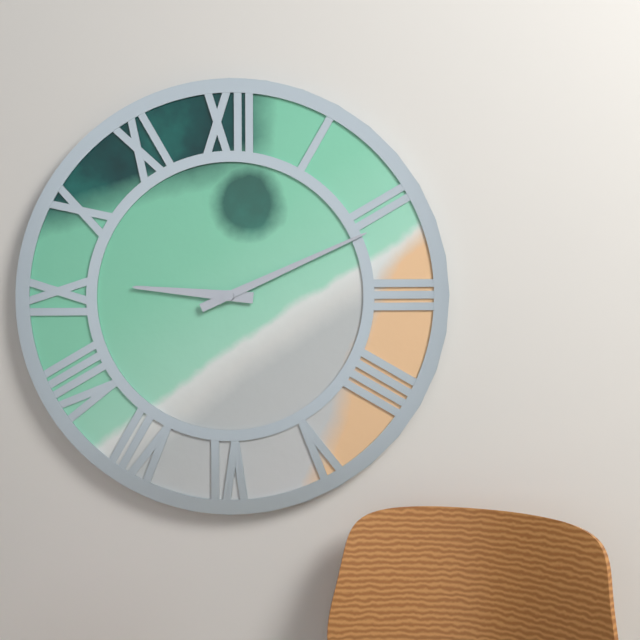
9:11
